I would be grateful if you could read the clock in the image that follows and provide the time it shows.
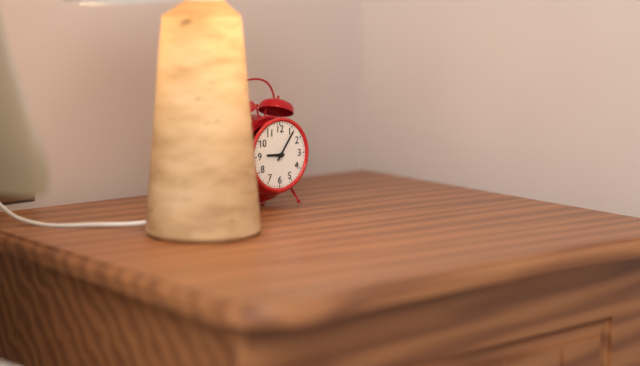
9:06
